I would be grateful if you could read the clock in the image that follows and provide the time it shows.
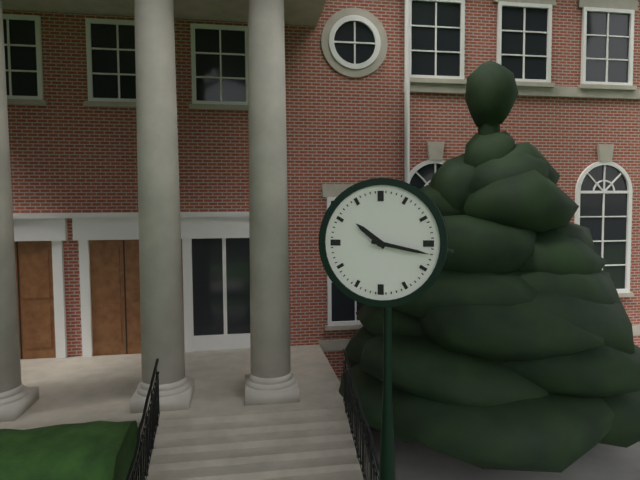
10:17
